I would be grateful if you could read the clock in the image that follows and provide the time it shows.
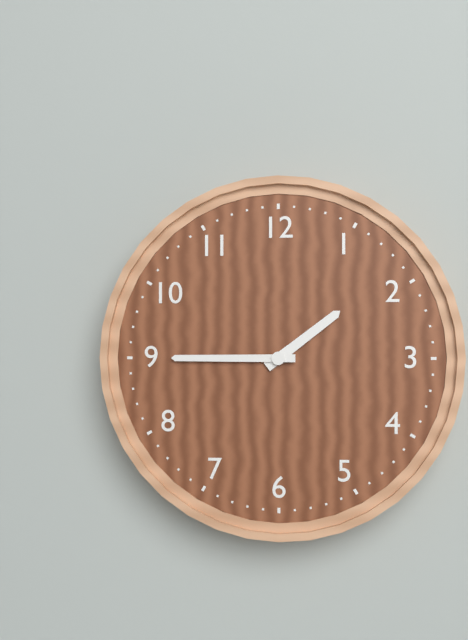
1:45
